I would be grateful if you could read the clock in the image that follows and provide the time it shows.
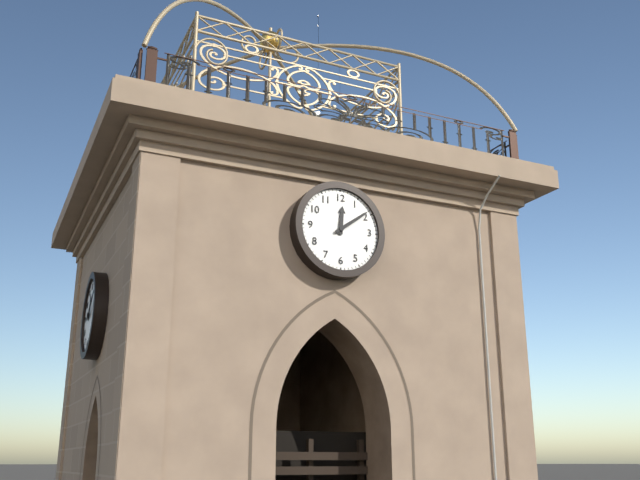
12:09
